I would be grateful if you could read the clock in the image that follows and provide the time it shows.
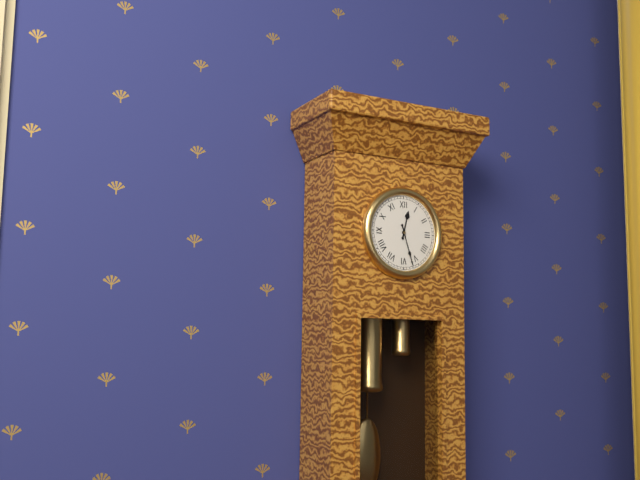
12:27
